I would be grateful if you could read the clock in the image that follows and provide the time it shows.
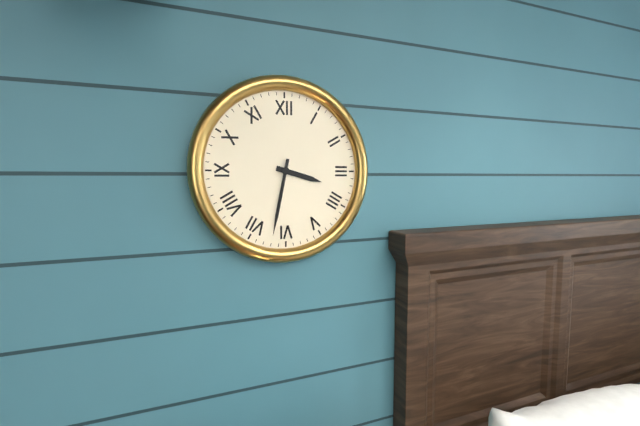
3:32
